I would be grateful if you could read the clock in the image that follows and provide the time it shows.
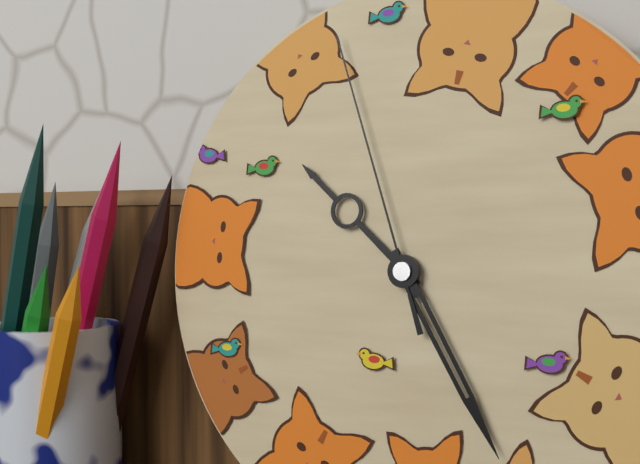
10:25:57
